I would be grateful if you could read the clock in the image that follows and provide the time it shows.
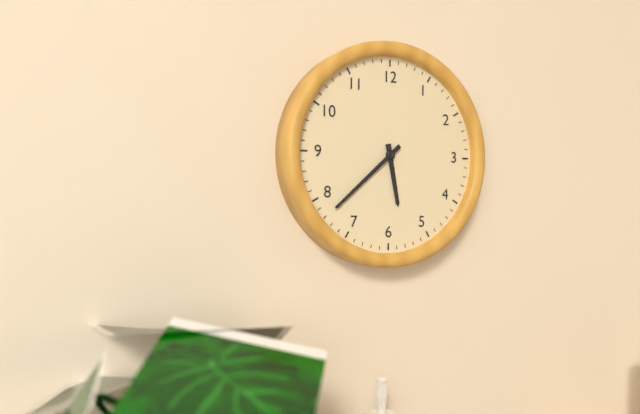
5:38
